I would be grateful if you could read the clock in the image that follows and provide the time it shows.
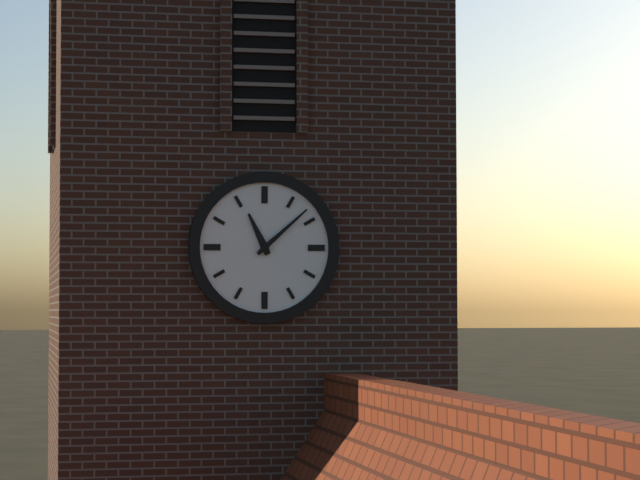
11:08
